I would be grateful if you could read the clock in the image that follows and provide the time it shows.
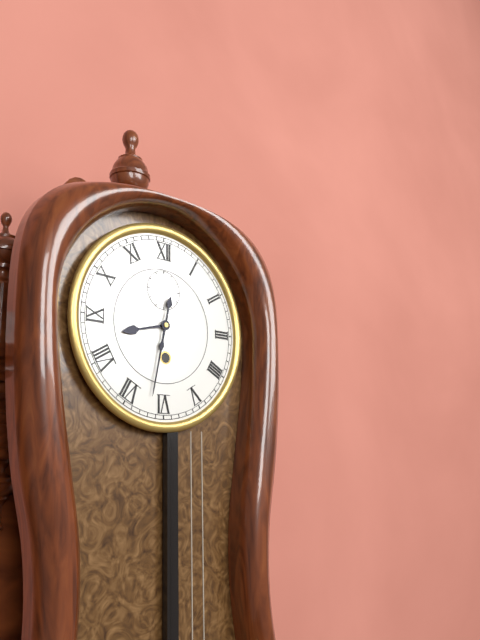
8:32
